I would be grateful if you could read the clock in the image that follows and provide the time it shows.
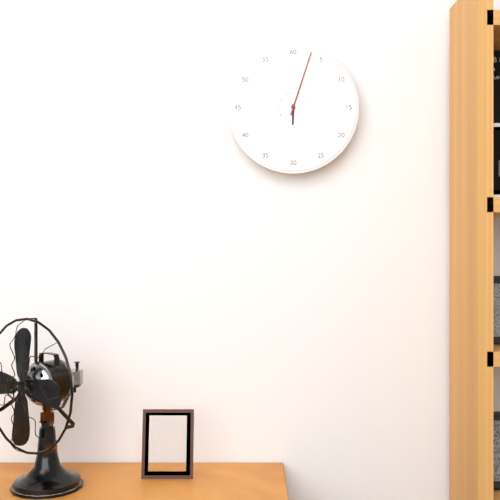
6:03
